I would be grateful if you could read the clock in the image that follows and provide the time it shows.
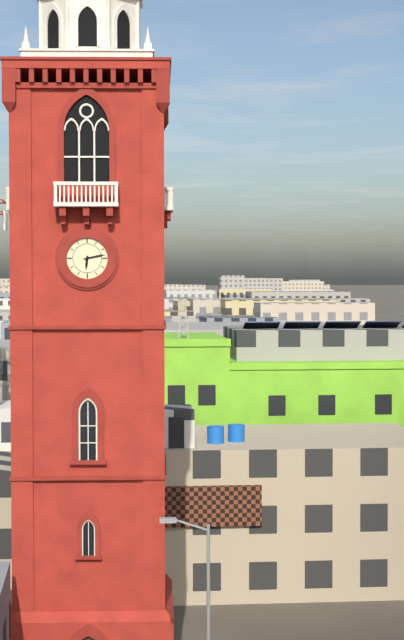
6:13
